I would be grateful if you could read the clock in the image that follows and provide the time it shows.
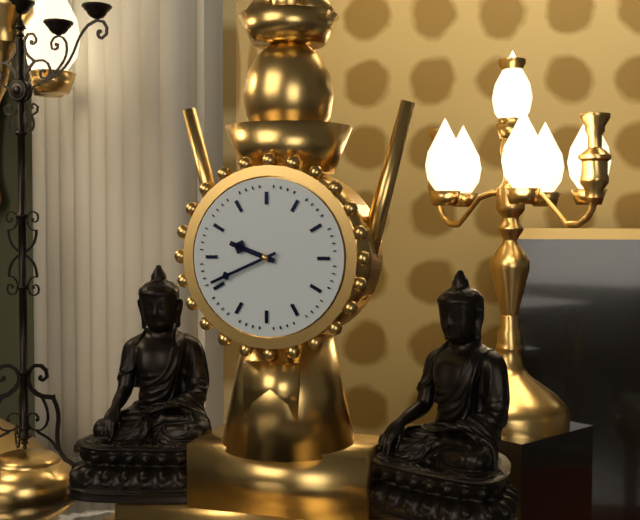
9:41
